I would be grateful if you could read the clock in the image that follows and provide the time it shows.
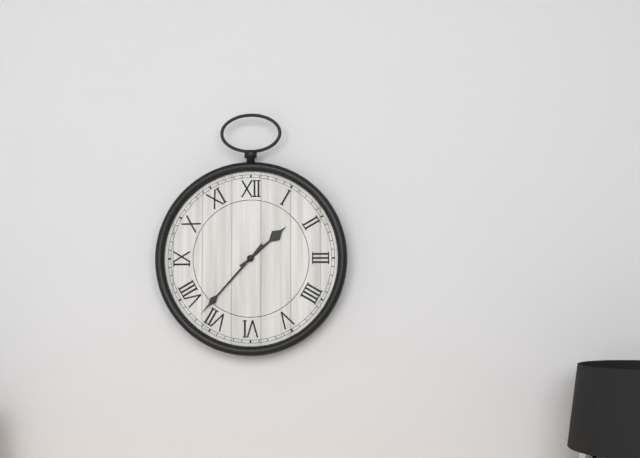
1:37
